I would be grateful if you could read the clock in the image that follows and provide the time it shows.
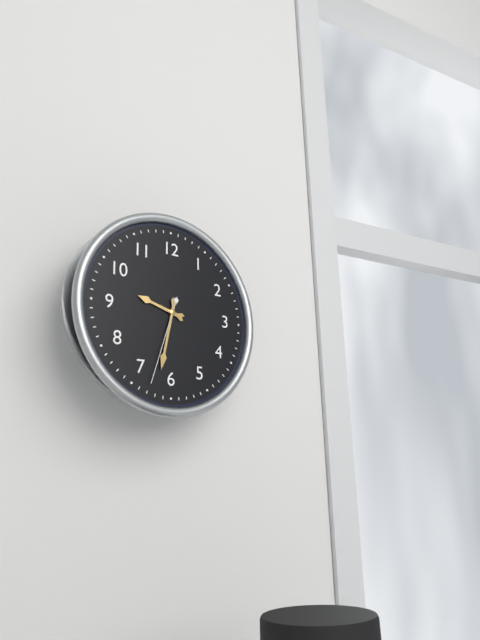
9:32:33
